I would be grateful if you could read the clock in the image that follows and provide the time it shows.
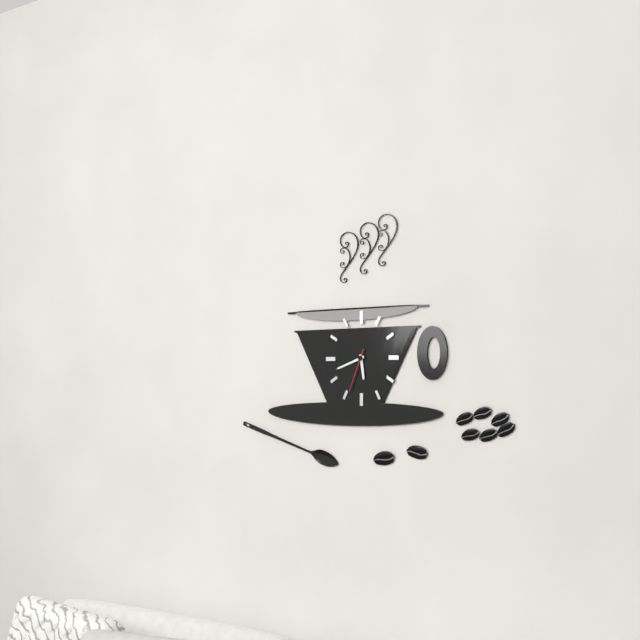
5:42
